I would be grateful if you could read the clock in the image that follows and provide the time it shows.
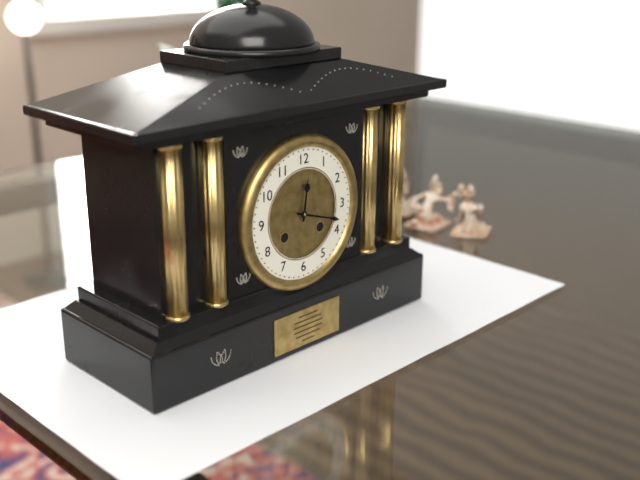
12:18
